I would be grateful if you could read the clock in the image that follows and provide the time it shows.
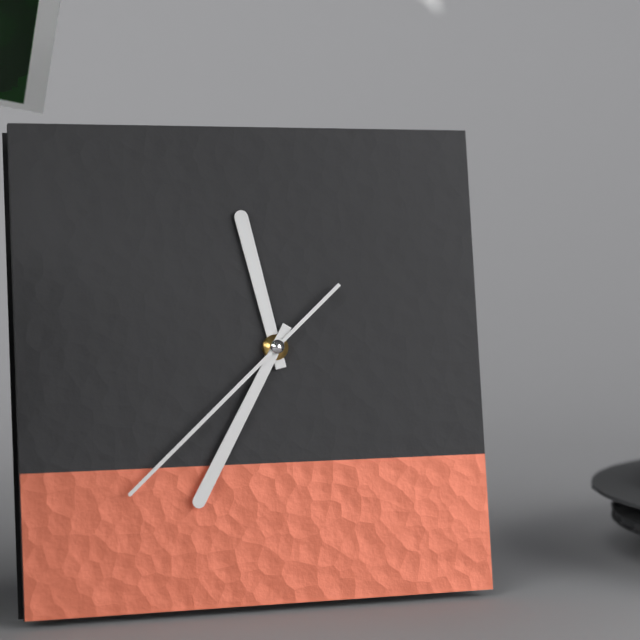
11:35:38
